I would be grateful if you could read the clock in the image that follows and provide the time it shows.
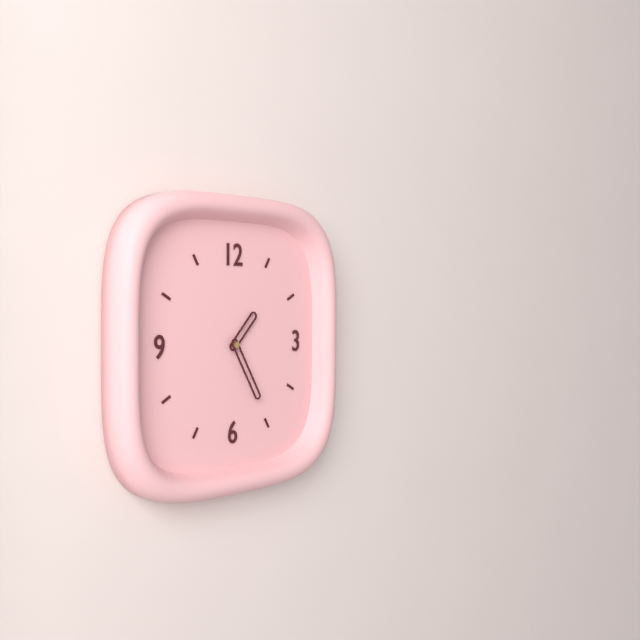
1:25
